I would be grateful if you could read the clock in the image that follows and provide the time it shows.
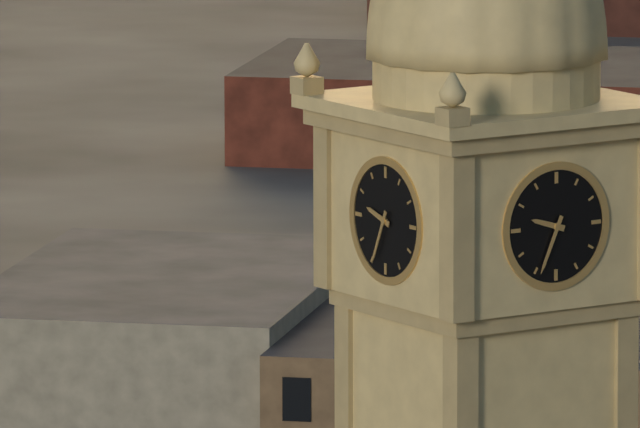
9:34
